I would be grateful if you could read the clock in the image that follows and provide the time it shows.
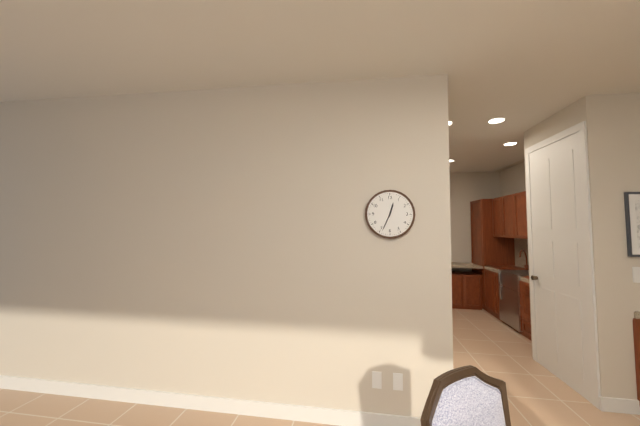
12:34
